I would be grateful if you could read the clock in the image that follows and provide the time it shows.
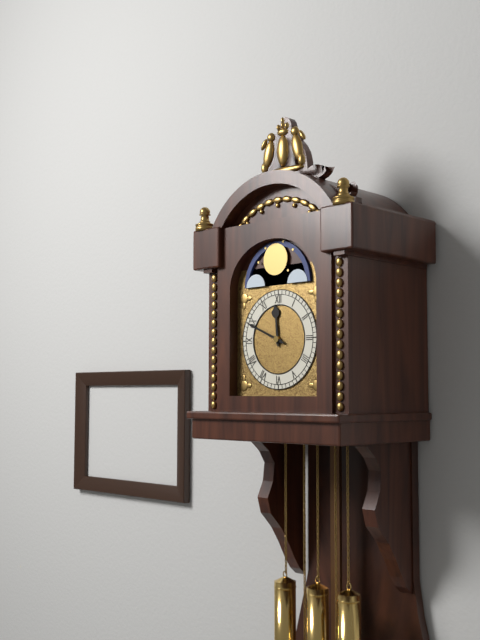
11:49
